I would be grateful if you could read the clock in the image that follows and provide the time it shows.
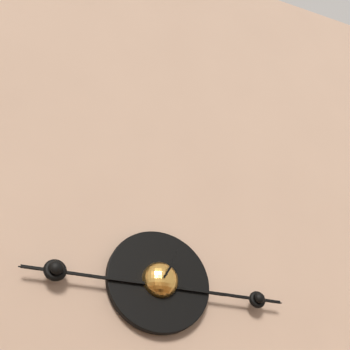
1:04
